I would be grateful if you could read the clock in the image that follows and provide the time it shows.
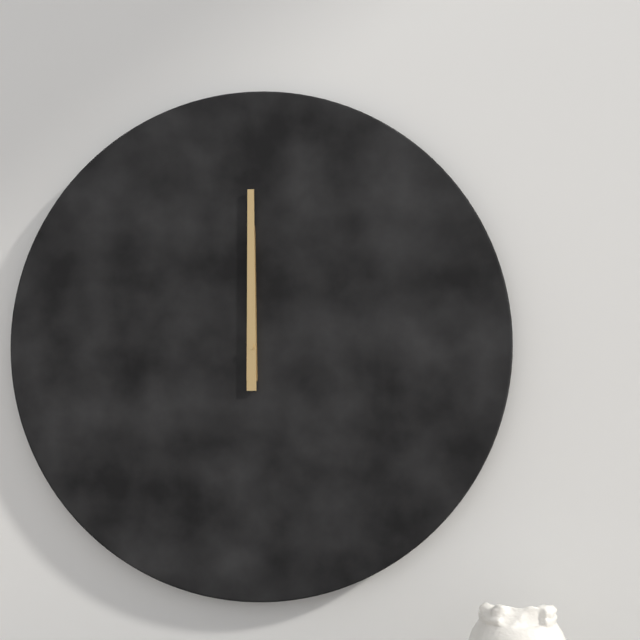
12:00
